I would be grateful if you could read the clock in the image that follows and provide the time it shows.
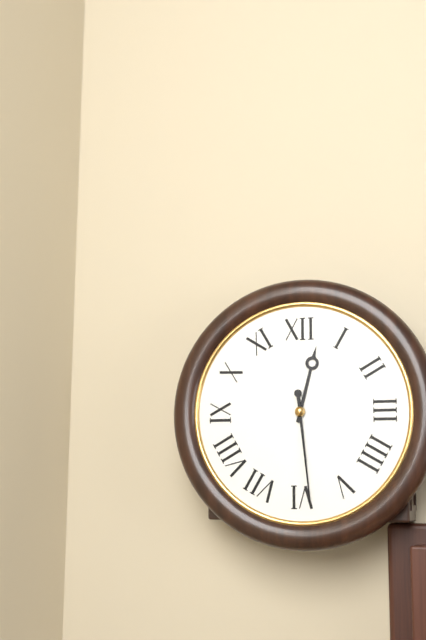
12:29
